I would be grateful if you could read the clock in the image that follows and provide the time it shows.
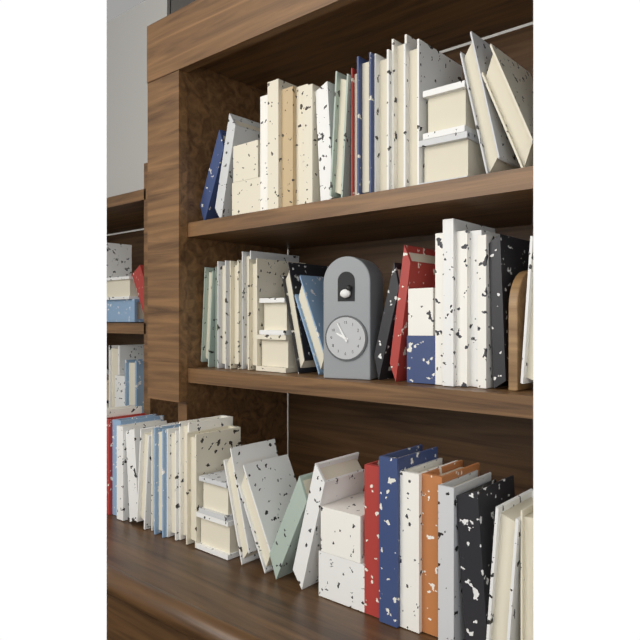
9:55
